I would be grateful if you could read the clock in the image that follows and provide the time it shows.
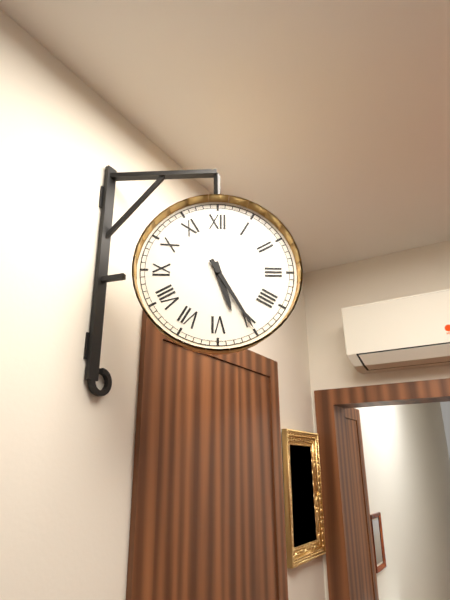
5:25
